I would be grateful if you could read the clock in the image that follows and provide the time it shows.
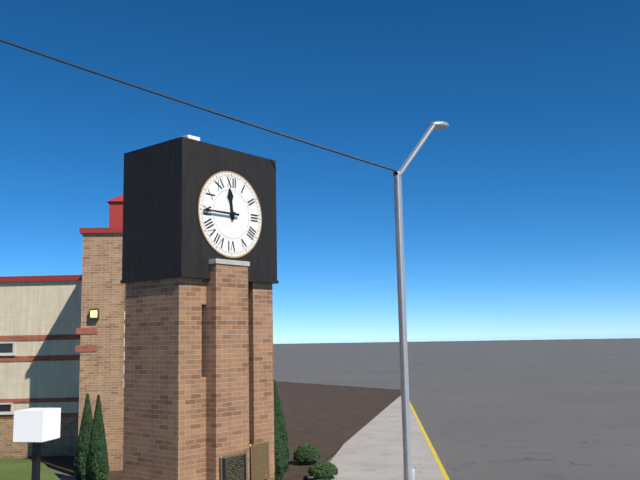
11:45
